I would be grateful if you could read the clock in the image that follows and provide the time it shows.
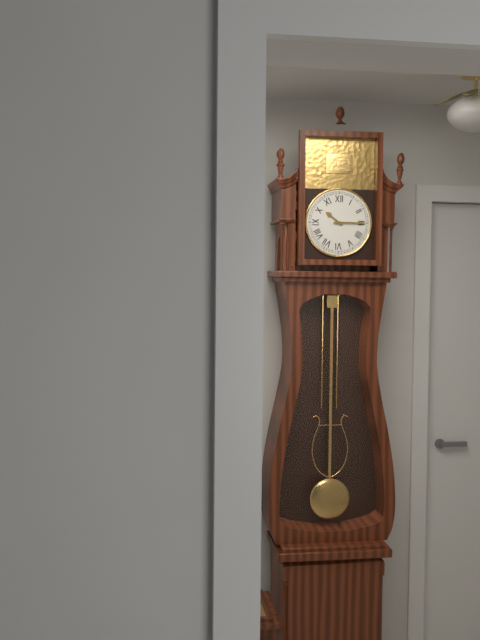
10:15
